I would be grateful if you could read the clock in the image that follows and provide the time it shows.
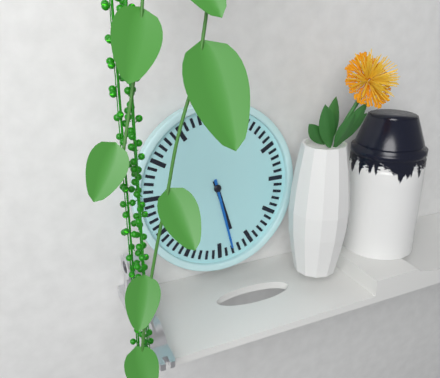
5:28
